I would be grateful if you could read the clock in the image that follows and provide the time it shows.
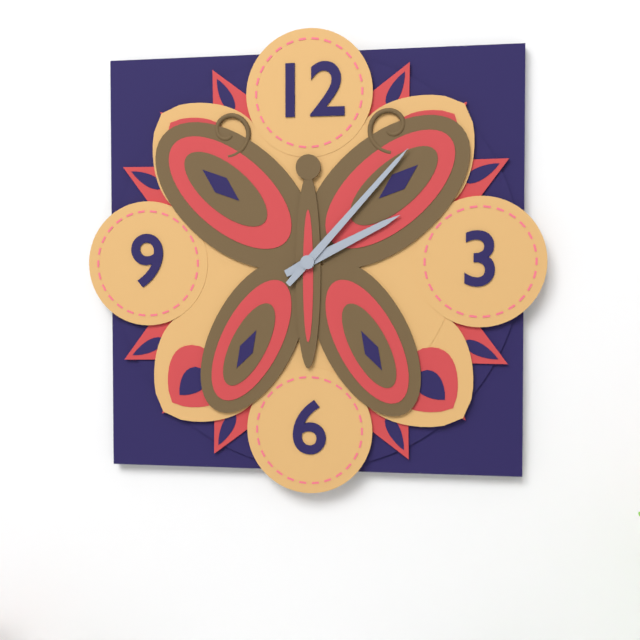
2:07
